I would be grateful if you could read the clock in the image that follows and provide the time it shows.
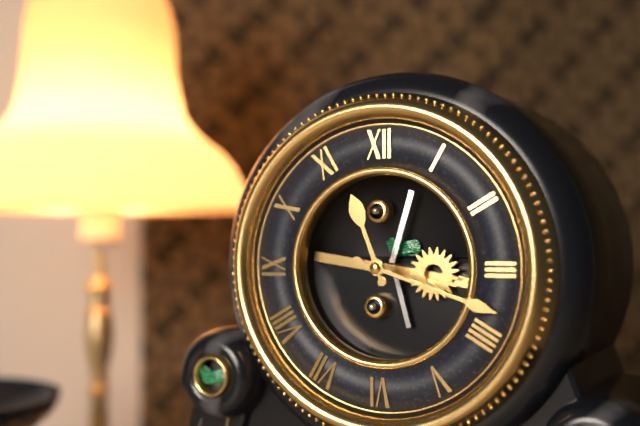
11:18
